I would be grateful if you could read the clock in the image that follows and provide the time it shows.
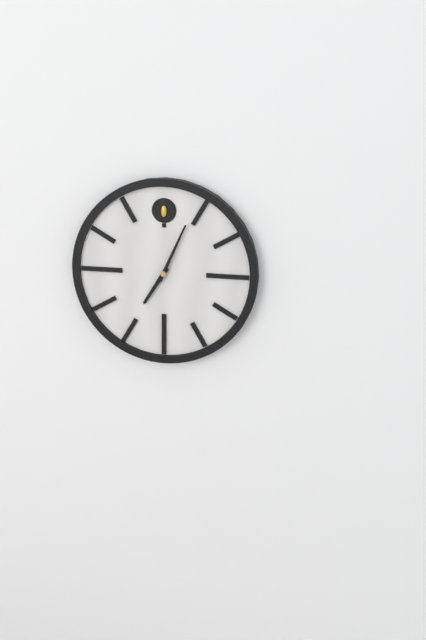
7:04
